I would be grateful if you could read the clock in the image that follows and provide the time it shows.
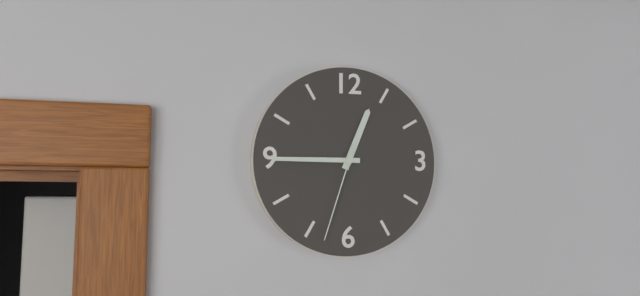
12:45:33
